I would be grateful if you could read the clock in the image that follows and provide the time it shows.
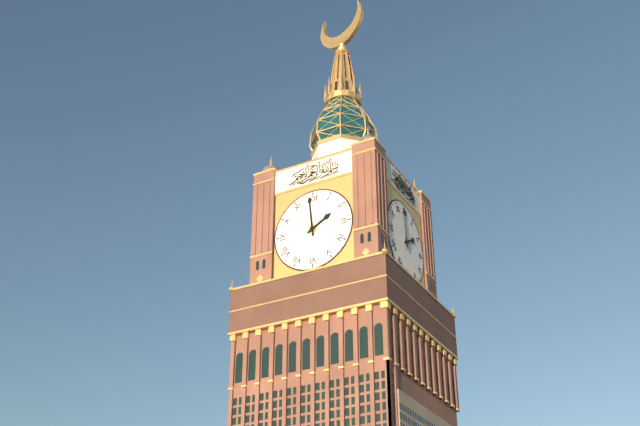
1:59
